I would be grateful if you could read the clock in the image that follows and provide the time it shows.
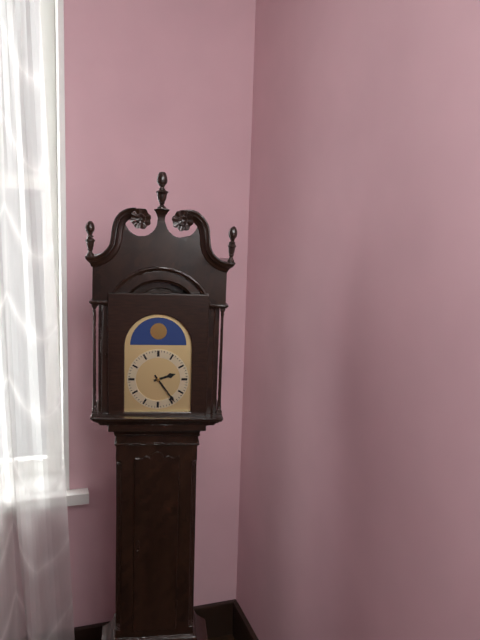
2:24
